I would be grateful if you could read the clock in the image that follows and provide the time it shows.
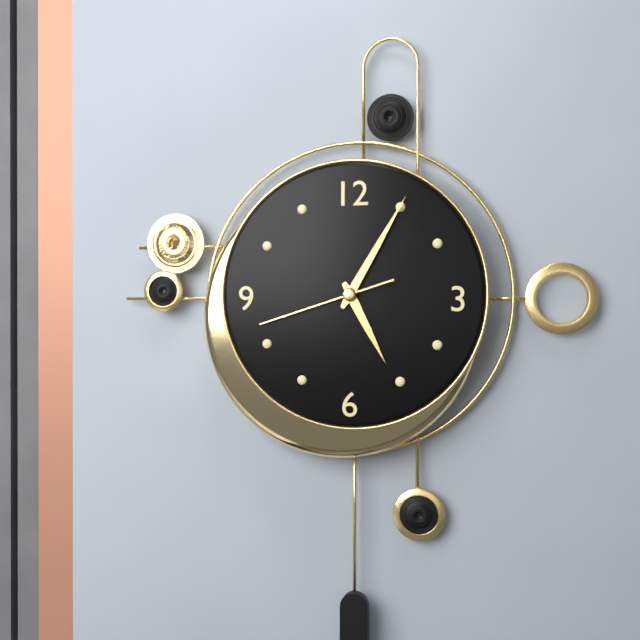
5:05:42
